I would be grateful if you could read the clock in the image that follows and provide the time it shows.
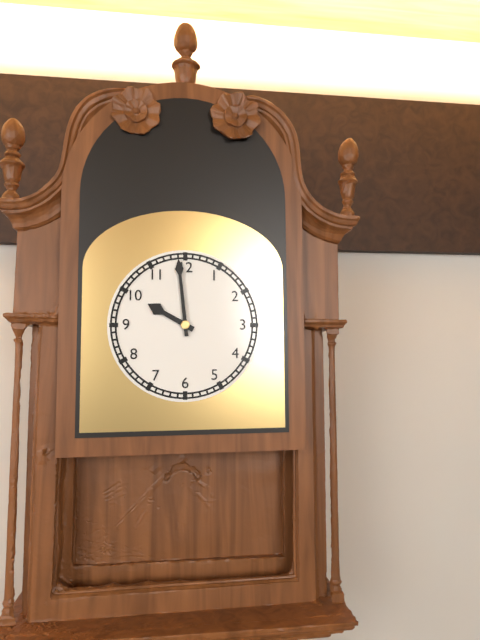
9:59
